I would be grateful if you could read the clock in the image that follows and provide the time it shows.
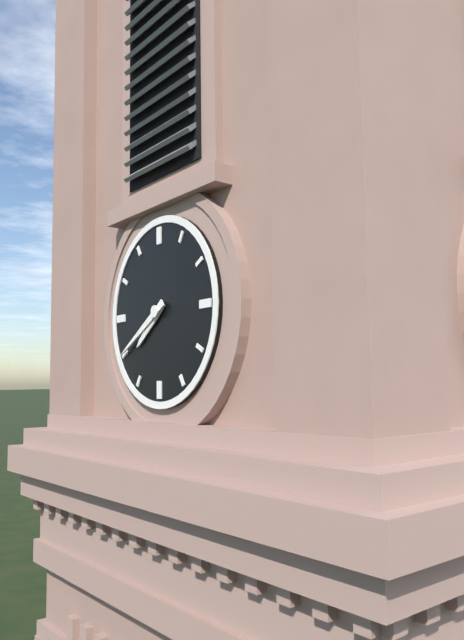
7:40
